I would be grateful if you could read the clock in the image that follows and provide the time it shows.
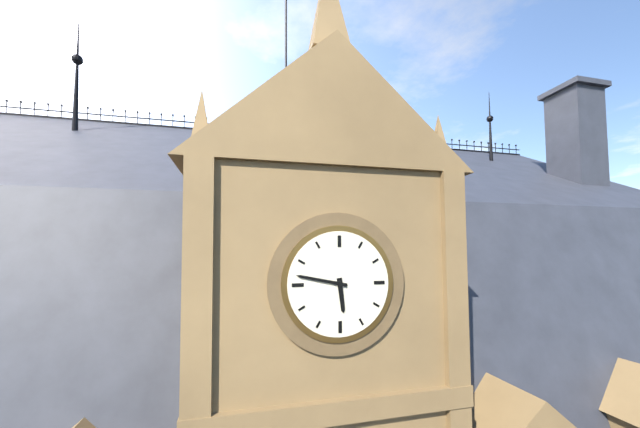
5:47
